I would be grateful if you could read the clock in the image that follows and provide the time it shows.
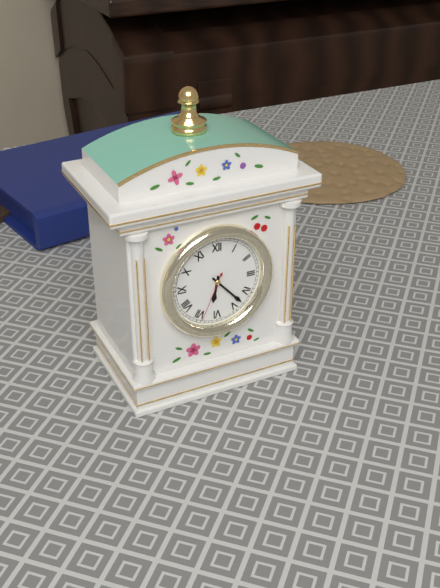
6:23:34
